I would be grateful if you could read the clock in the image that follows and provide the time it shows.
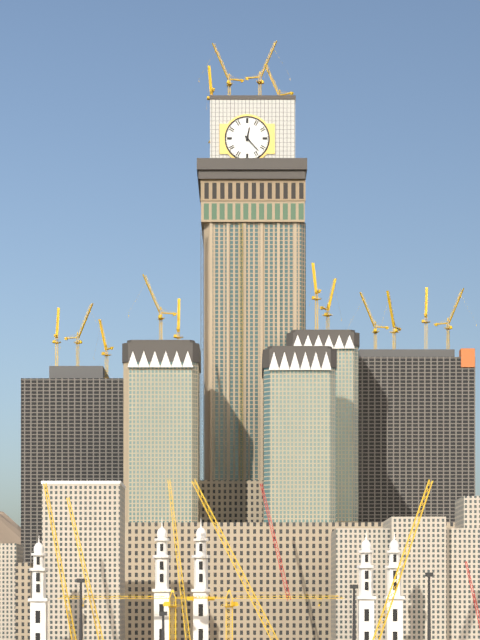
12:23
